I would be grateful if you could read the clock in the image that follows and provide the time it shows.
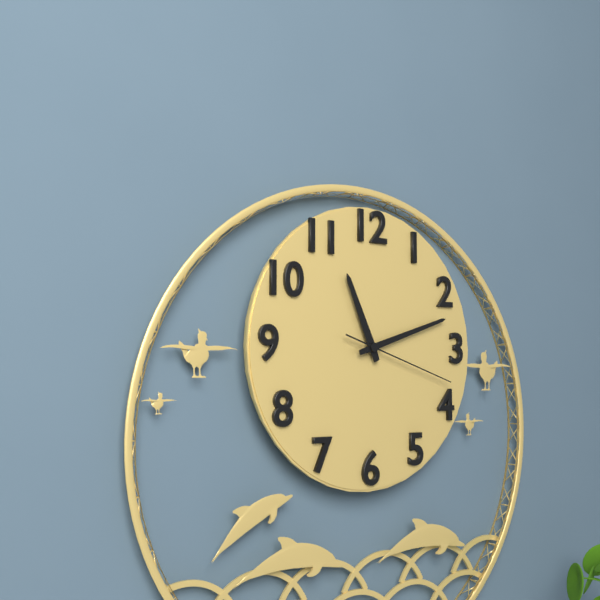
11:12:18
